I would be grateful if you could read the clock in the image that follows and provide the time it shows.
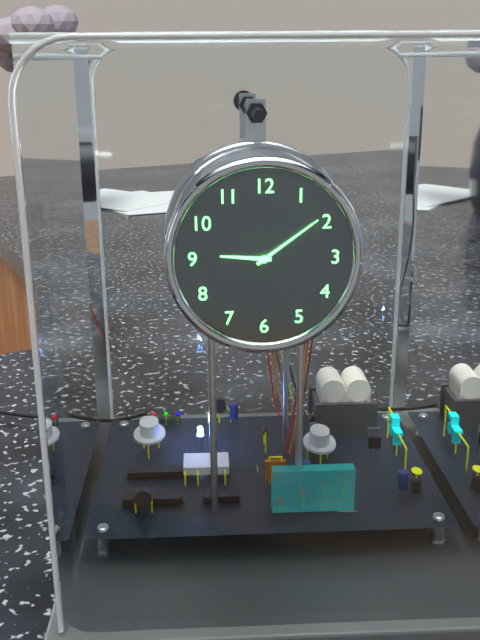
9:09
